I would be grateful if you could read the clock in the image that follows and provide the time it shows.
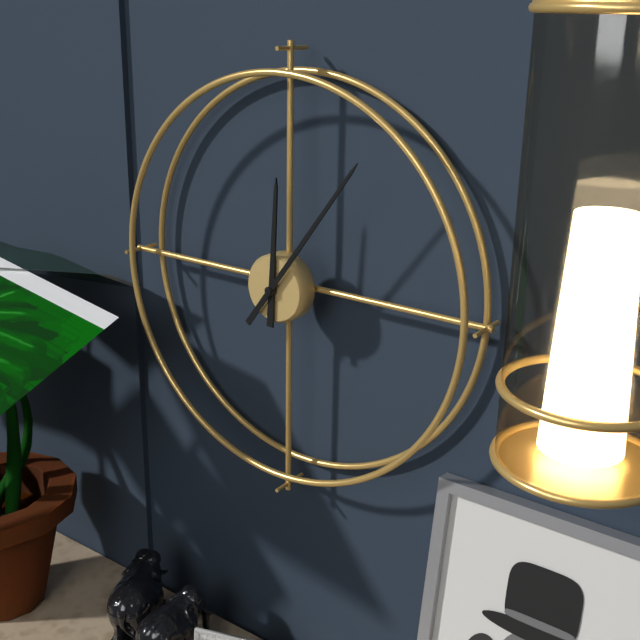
12:06
